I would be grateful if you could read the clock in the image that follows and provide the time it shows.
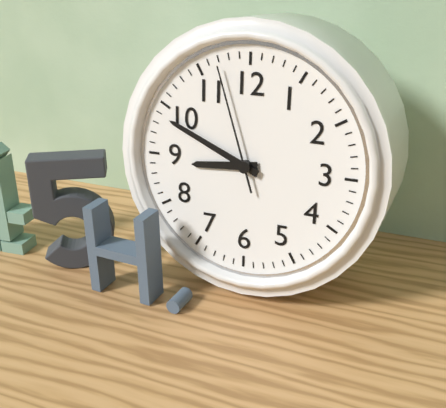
8:49:57
